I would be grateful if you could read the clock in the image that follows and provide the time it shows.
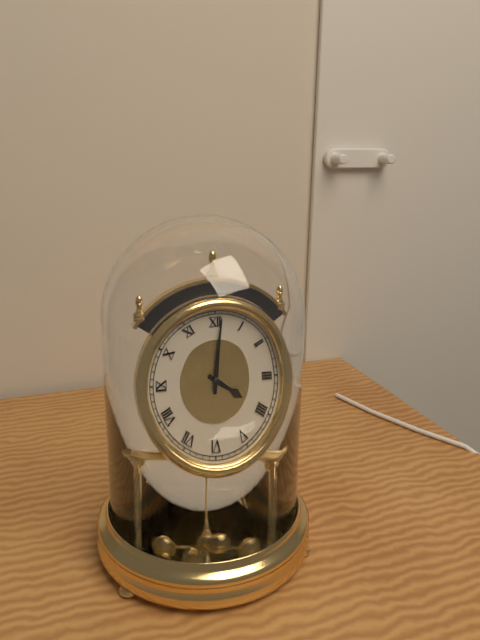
4:01
